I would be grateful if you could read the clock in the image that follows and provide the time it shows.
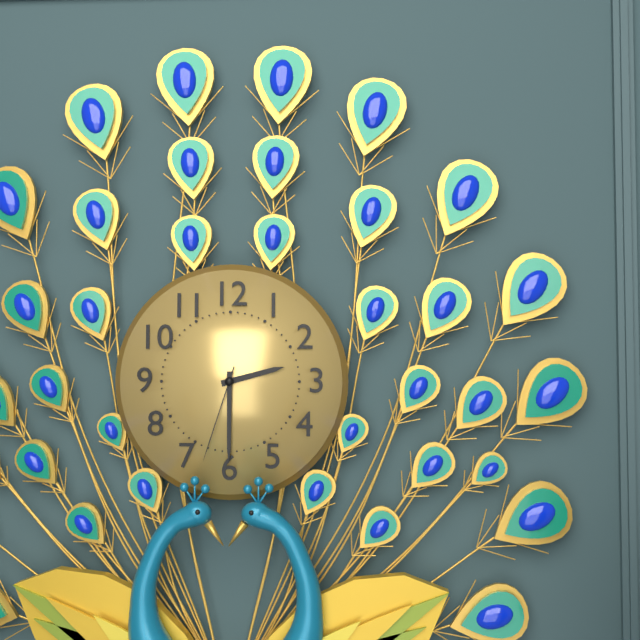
2:30:33
